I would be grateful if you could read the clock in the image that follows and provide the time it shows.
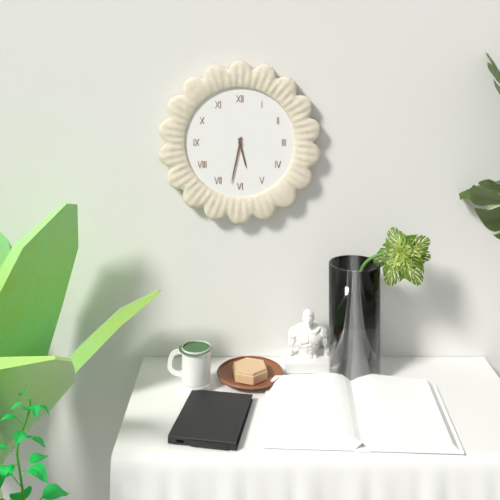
5:32
